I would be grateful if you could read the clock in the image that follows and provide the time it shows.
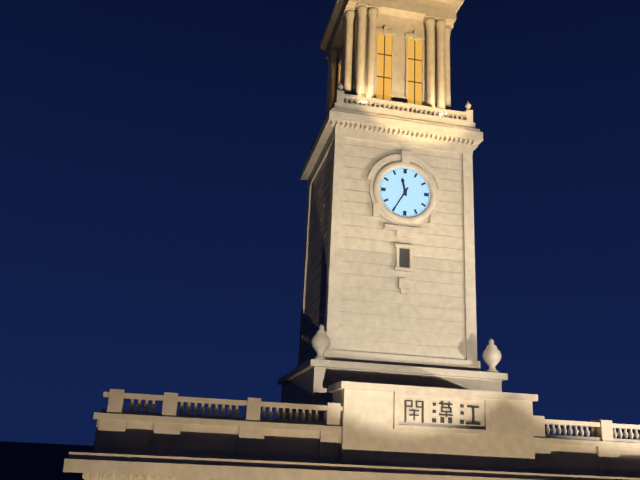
11:35
